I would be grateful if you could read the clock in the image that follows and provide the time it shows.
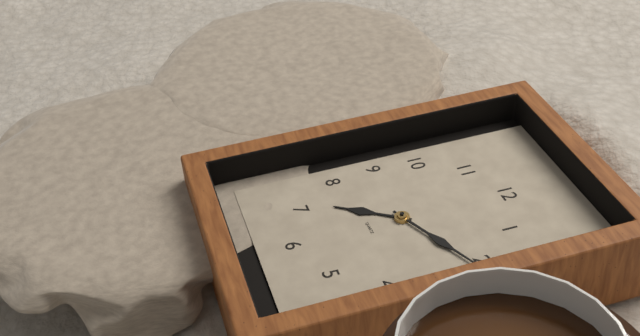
7:11
